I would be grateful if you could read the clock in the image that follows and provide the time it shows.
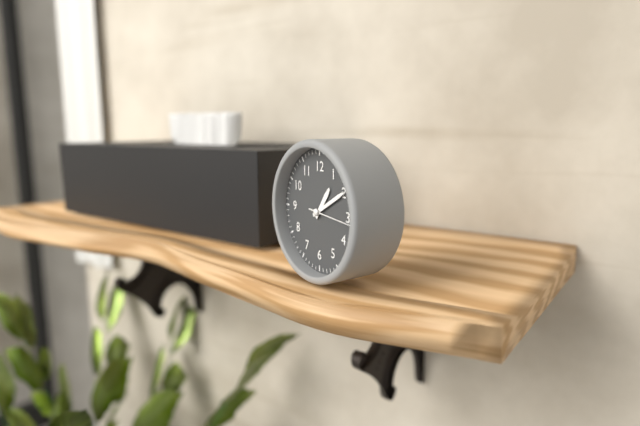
1:10
